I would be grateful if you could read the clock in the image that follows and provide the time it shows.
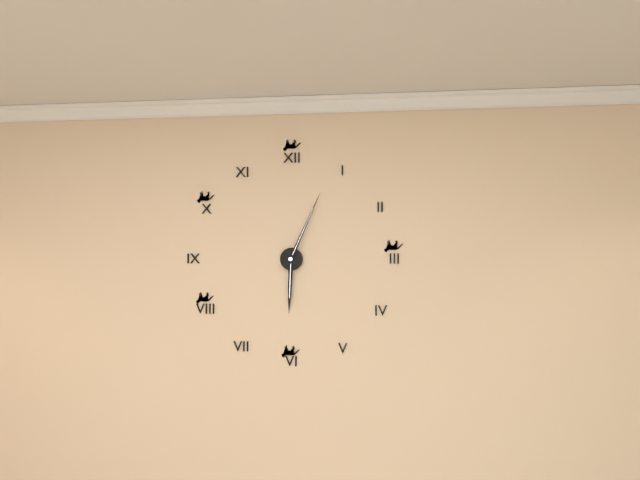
6:04
